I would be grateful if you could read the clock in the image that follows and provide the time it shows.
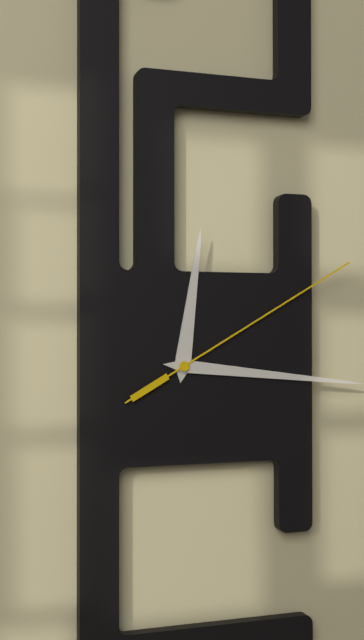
12:16:10
